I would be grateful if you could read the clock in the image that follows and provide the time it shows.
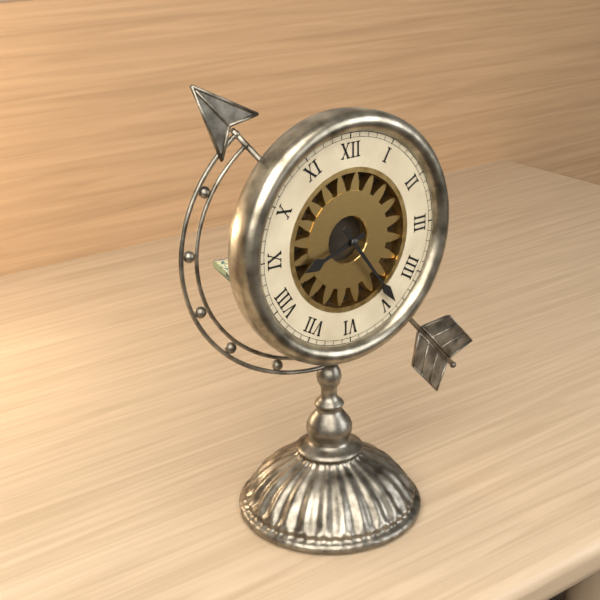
8:24
